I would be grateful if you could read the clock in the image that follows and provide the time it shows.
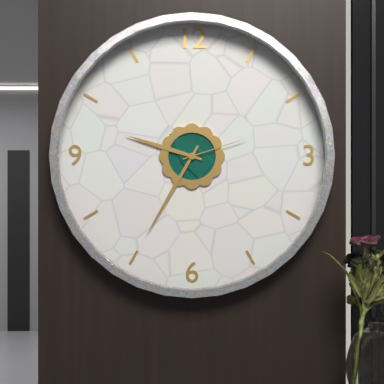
9:35:12
